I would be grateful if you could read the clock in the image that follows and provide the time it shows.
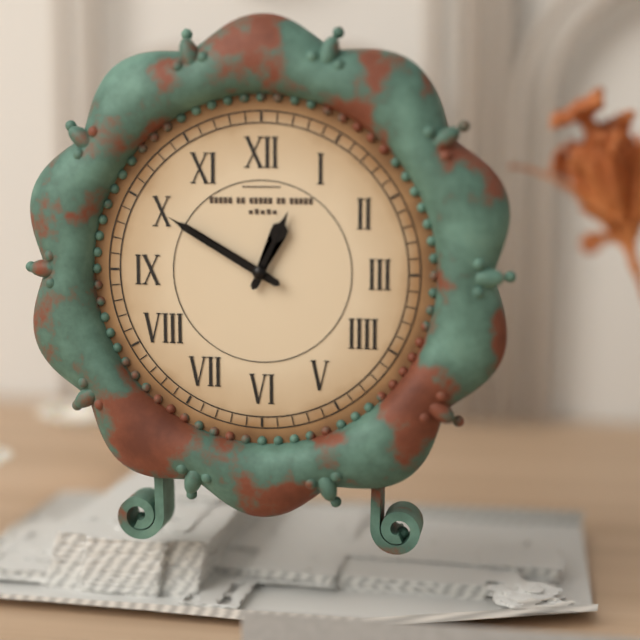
12:50
